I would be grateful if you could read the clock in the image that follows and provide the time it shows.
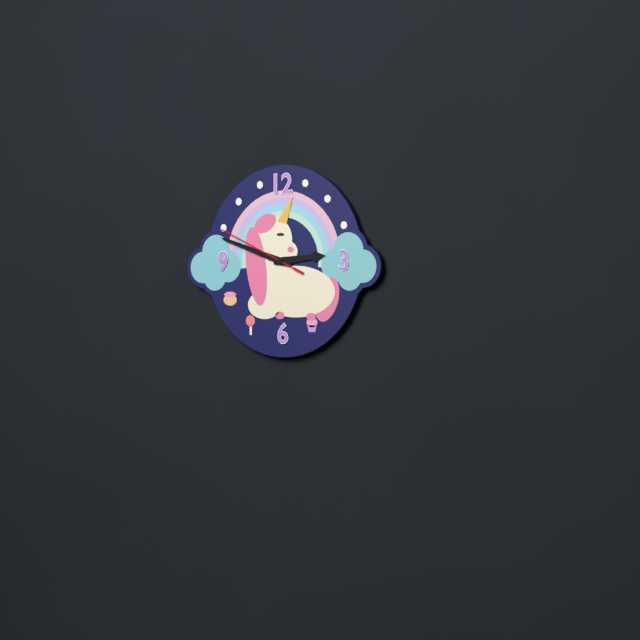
2:48:49
